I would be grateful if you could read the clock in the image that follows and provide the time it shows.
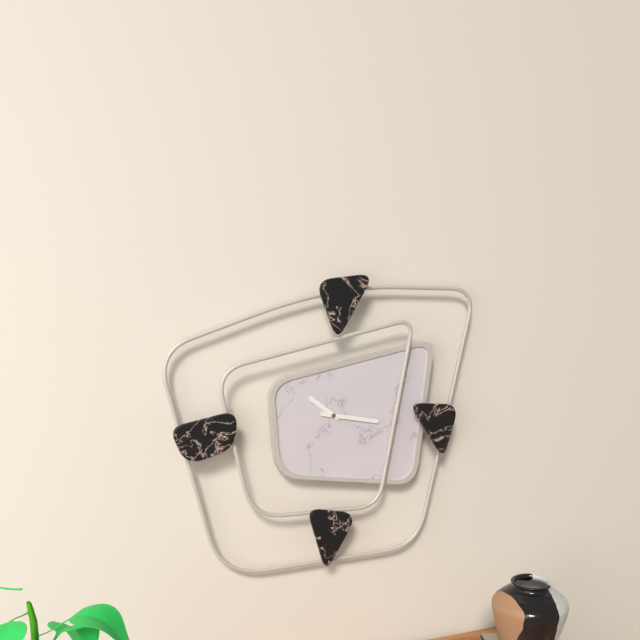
10:17
